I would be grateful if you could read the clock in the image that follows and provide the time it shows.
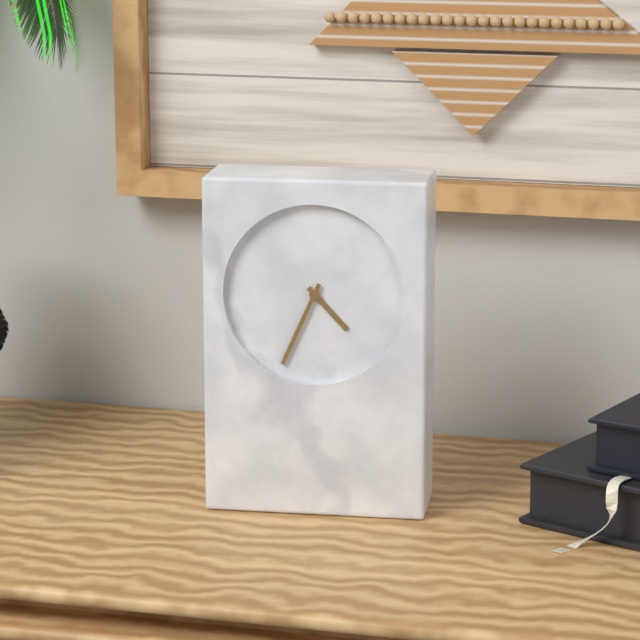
4:34
